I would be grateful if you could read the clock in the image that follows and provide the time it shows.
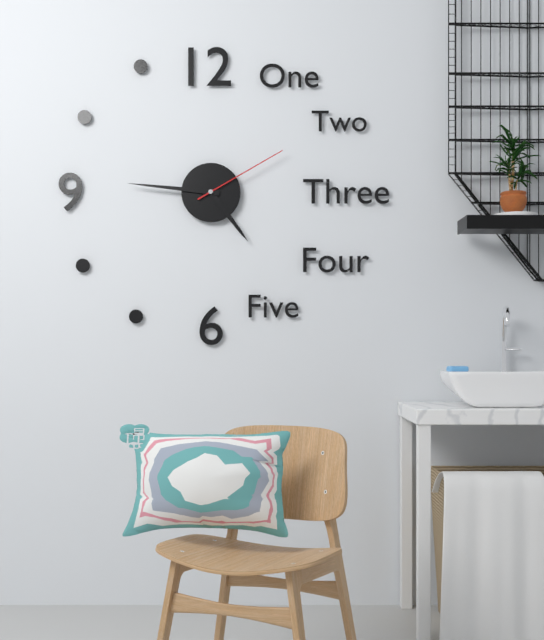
4:46:10
